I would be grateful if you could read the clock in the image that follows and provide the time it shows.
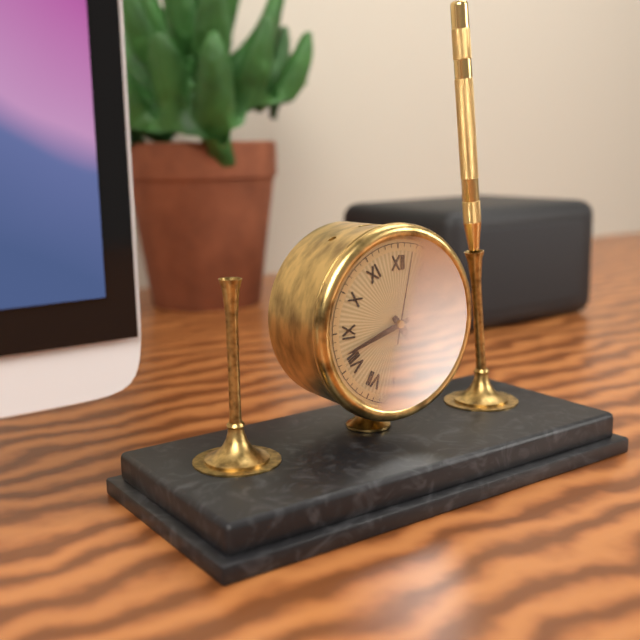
4:42:02
